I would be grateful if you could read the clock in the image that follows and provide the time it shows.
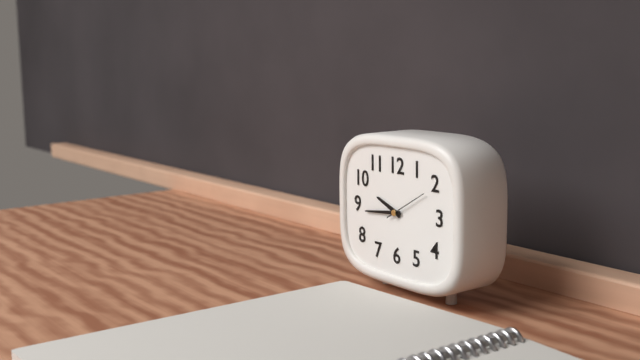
9:44
